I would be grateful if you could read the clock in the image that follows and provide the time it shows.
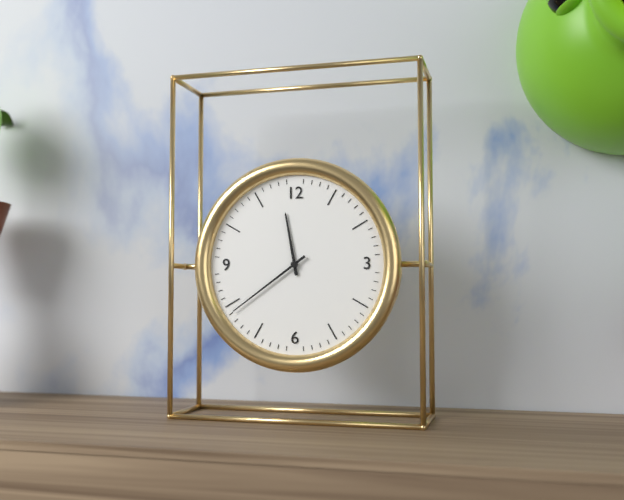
11:39
